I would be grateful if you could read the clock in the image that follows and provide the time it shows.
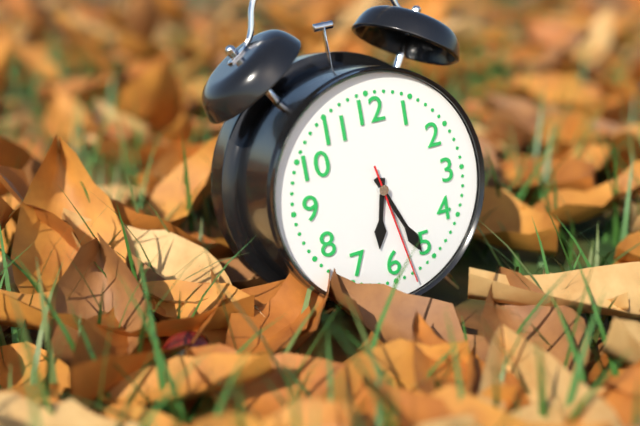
6:26:28
